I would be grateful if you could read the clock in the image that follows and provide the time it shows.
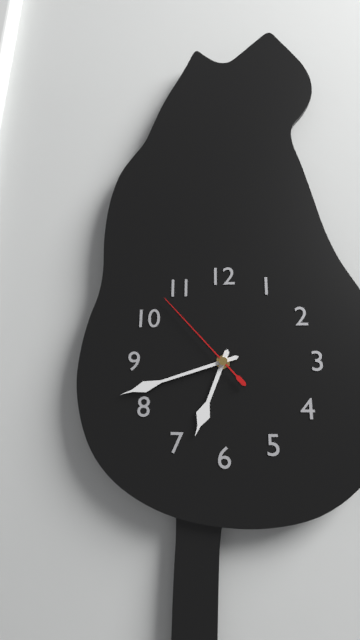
6:42:53
